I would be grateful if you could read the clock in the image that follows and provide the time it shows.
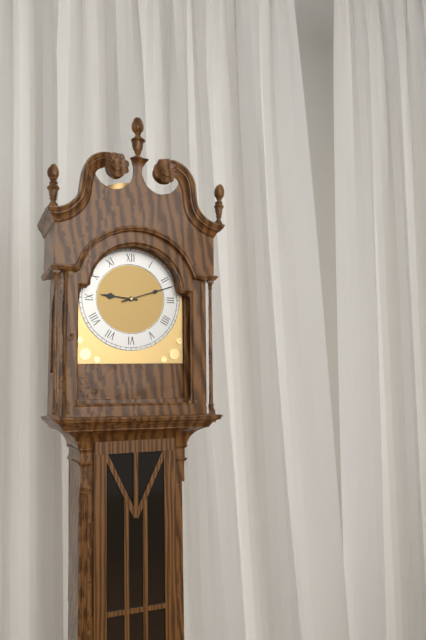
9:12
